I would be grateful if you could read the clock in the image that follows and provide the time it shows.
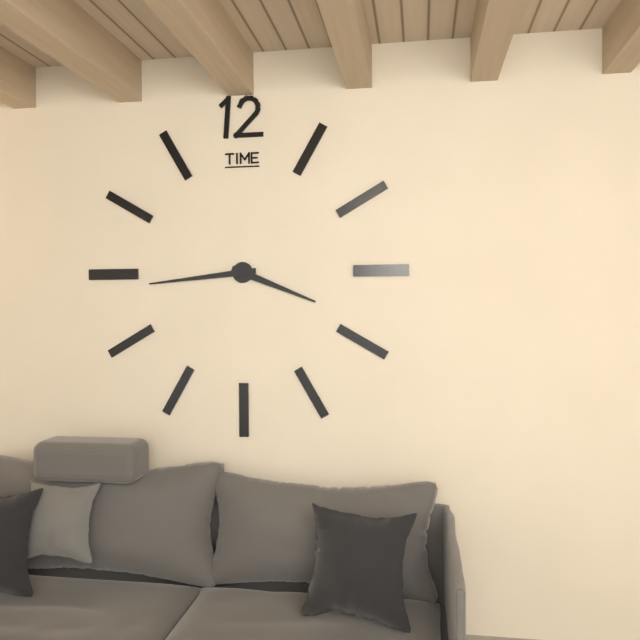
3:44
